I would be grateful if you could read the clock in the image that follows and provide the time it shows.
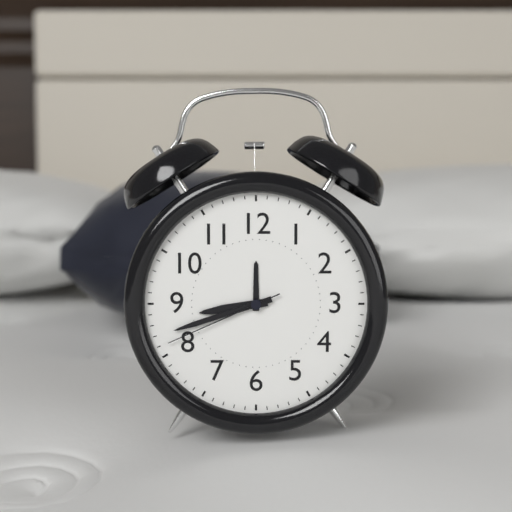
8:42:41
